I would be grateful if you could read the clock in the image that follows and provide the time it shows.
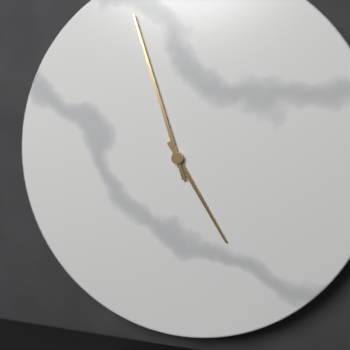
4:57
